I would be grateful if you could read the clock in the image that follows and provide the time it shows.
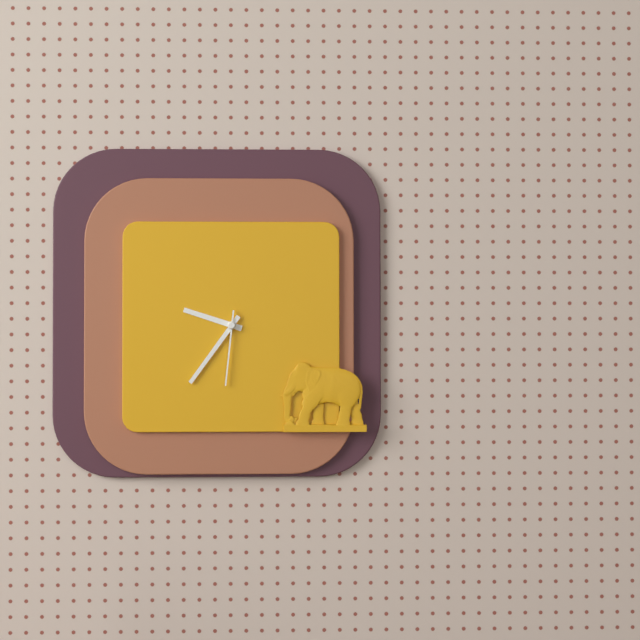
9:36:31
